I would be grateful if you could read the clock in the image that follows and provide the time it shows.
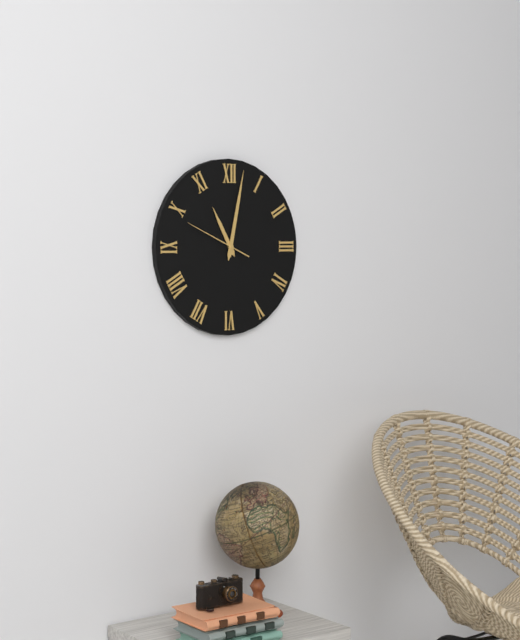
11:02:49
